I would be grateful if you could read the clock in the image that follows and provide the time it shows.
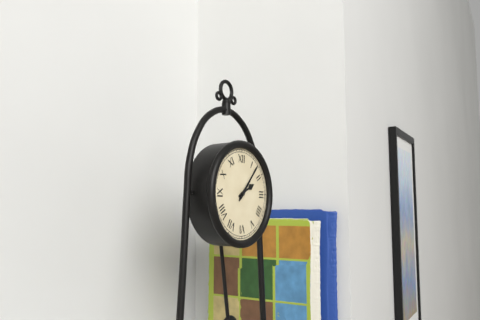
2:07
